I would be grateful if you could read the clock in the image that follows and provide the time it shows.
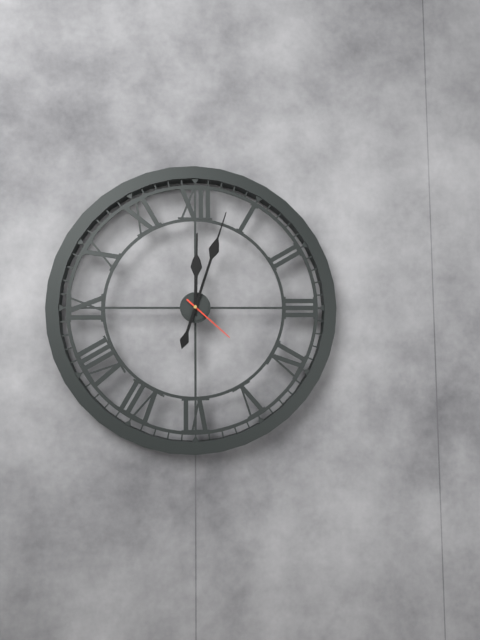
12:03:22
